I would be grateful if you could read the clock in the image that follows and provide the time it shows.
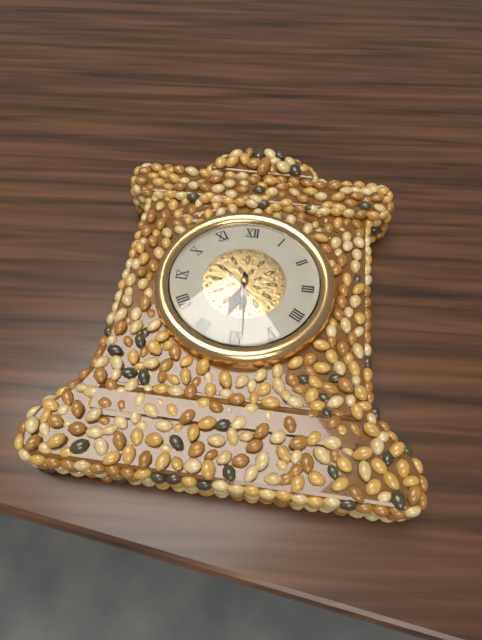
6:29
